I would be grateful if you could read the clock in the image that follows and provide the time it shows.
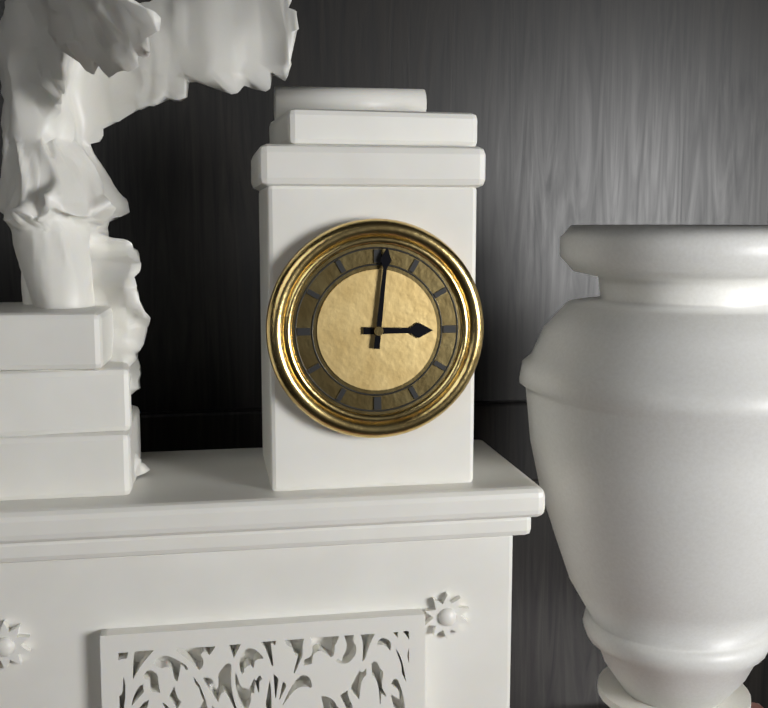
3:01
